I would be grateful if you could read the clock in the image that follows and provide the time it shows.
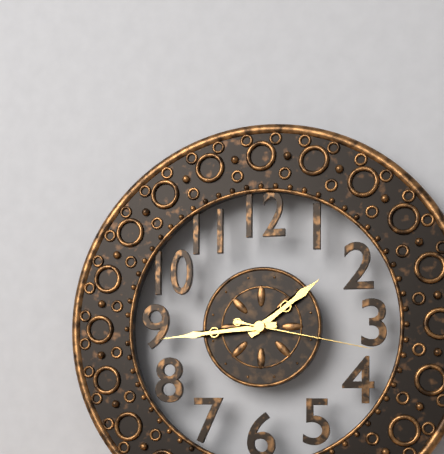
1:44:17
